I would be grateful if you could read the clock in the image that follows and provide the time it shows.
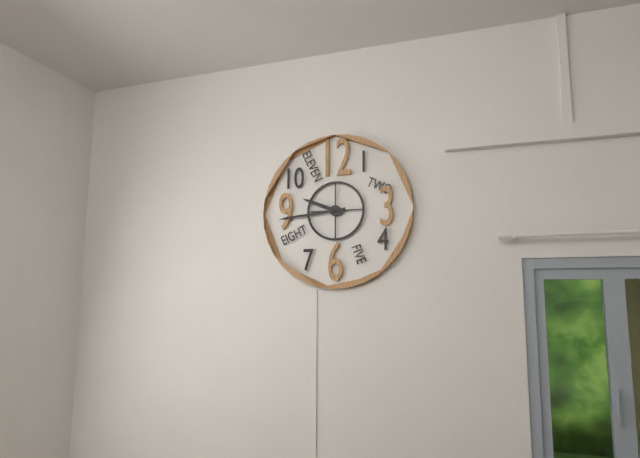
9:44
